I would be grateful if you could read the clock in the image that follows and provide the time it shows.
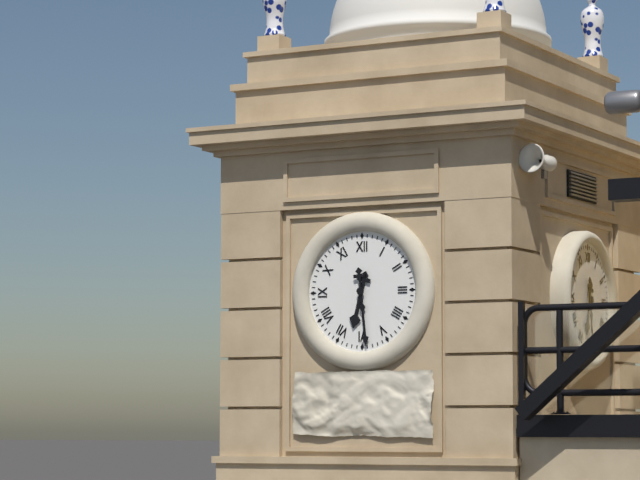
6:29
